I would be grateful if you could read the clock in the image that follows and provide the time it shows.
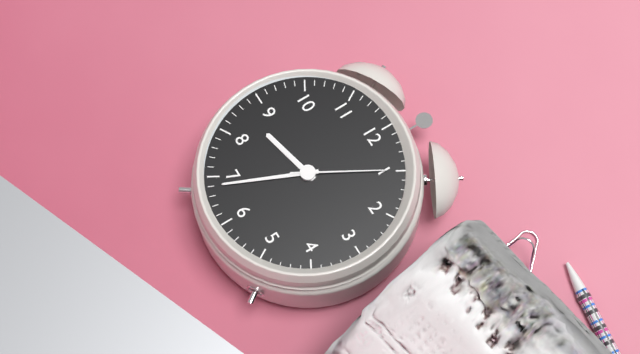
8:34:05
